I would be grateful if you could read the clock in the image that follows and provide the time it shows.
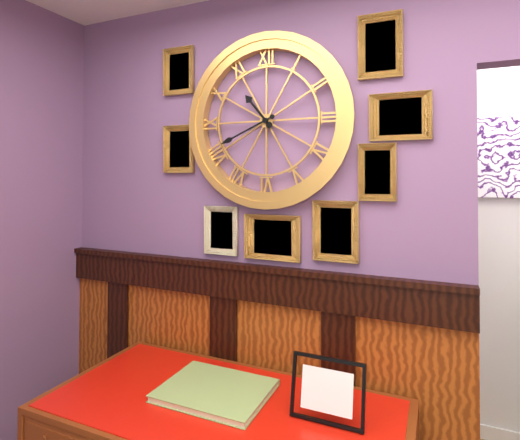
10:41
